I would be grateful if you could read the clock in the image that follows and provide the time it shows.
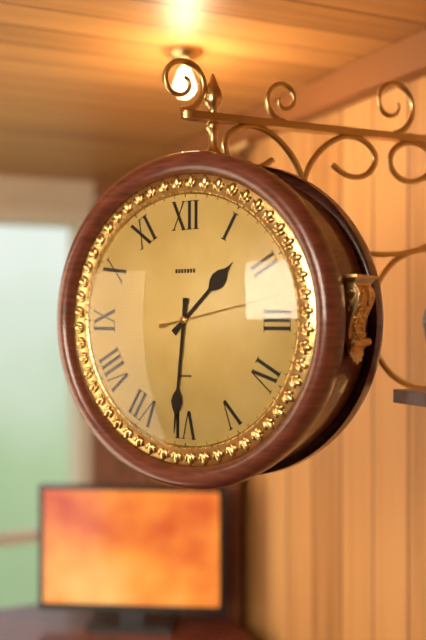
1:31:13
